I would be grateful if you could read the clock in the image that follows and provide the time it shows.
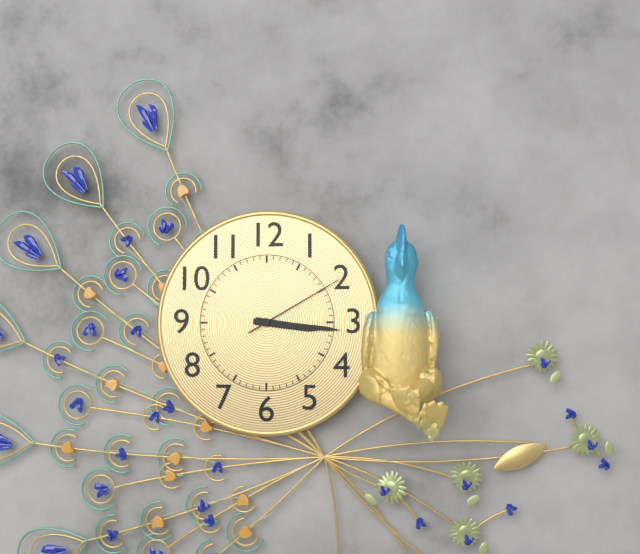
3:16:10
